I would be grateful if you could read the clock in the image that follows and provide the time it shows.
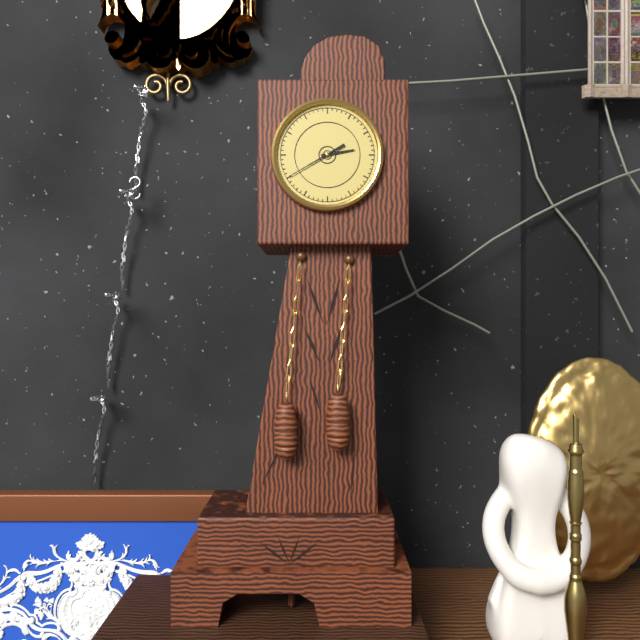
2:40
